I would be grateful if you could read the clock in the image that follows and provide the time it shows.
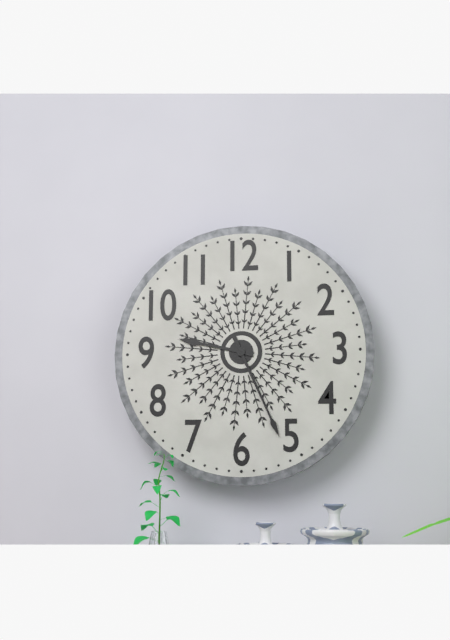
9:26
